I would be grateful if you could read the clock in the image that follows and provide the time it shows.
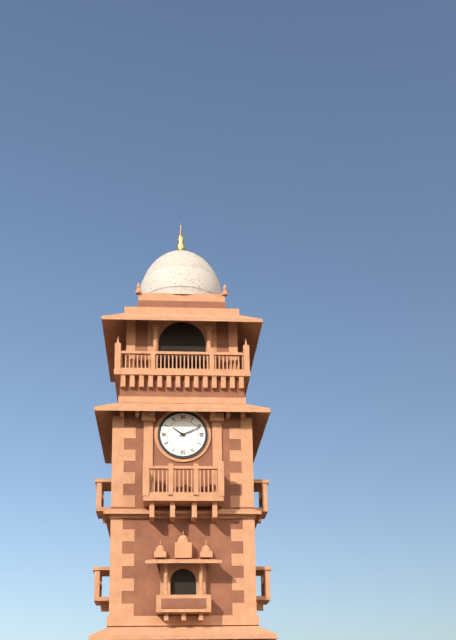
10:11
